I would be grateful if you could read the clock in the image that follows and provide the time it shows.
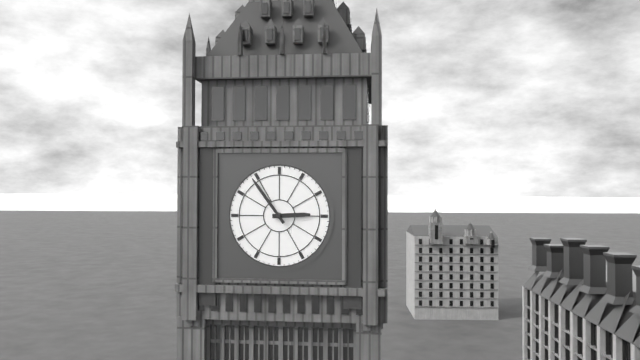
2:54
